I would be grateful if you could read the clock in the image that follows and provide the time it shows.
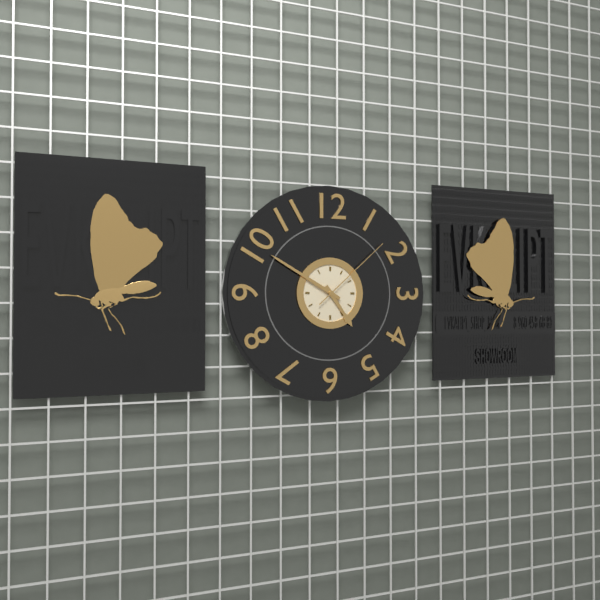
4:50:08
